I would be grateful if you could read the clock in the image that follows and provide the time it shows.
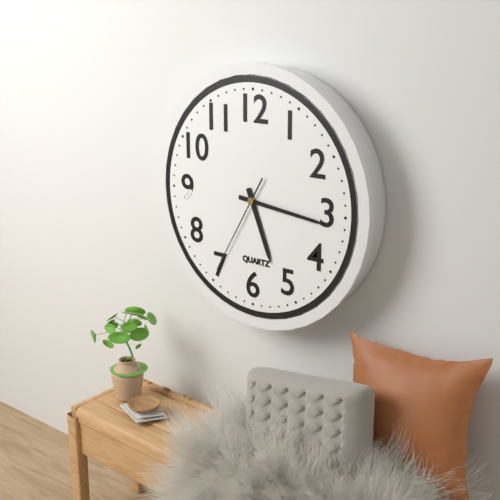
5:16:35
